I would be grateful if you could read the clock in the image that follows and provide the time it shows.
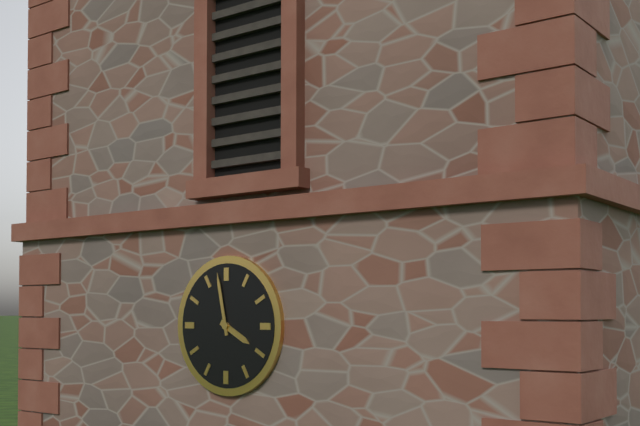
3:58
